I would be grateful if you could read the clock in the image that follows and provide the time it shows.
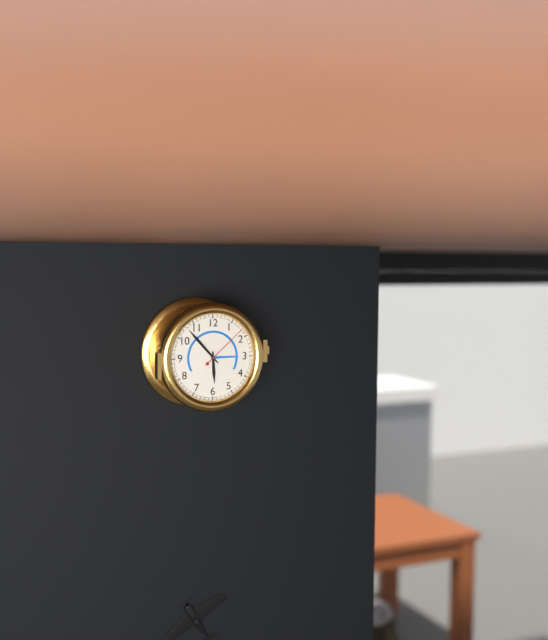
5:53:08
